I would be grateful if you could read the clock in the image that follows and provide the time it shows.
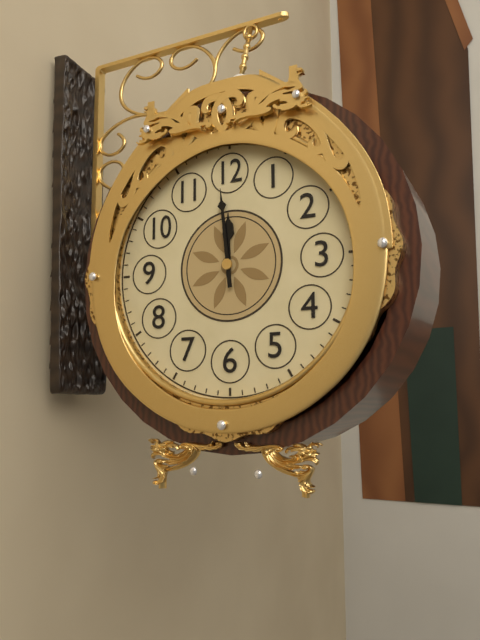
11:59
